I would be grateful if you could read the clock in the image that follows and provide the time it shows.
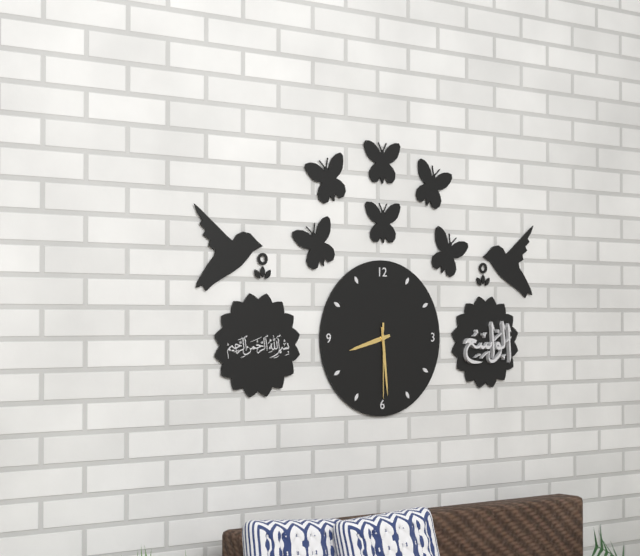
8:29:30
